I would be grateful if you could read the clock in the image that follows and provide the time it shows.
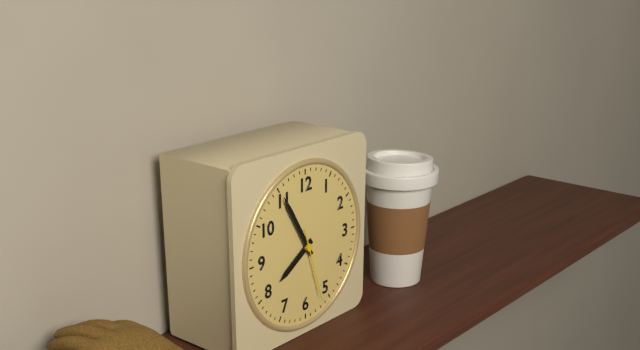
7:55:27
